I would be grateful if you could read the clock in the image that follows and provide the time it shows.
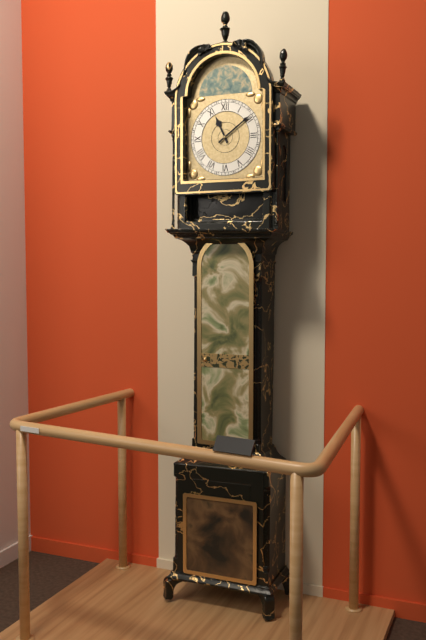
11:09
